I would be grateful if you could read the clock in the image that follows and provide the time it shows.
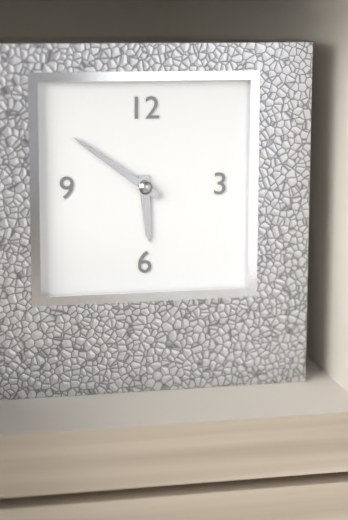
5:51
